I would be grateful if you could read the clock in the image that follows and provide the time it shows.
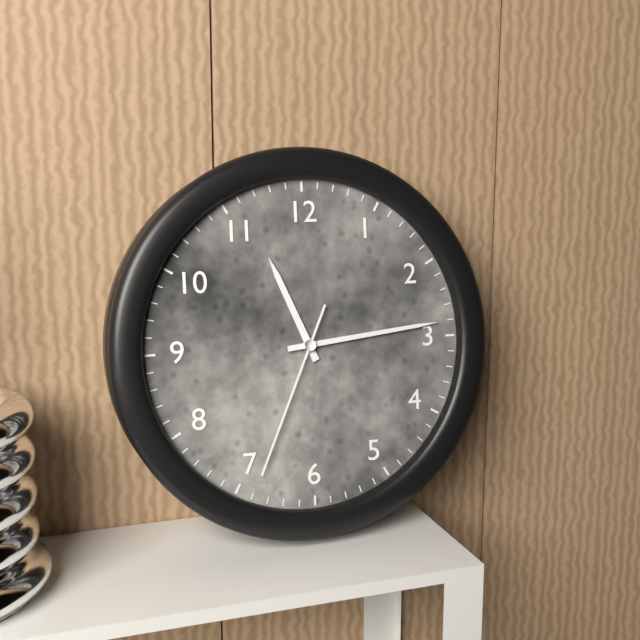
11:14:34
